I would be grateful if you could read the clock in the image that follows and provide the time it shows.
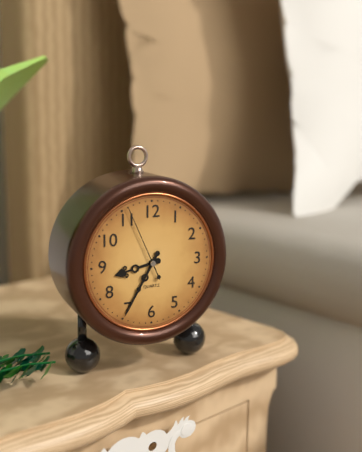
8:35:56
